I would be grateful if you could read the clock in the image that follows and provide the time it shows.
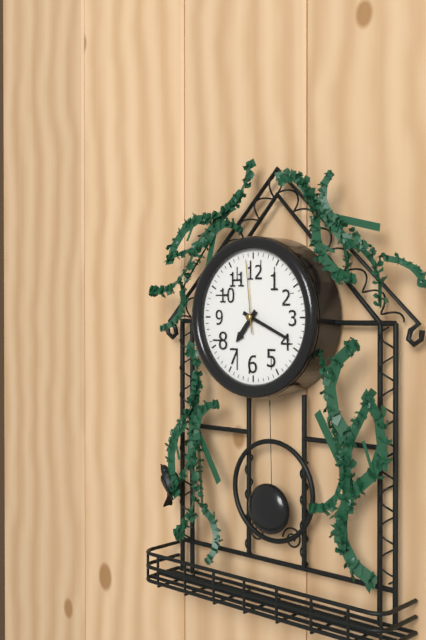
7:19:59
